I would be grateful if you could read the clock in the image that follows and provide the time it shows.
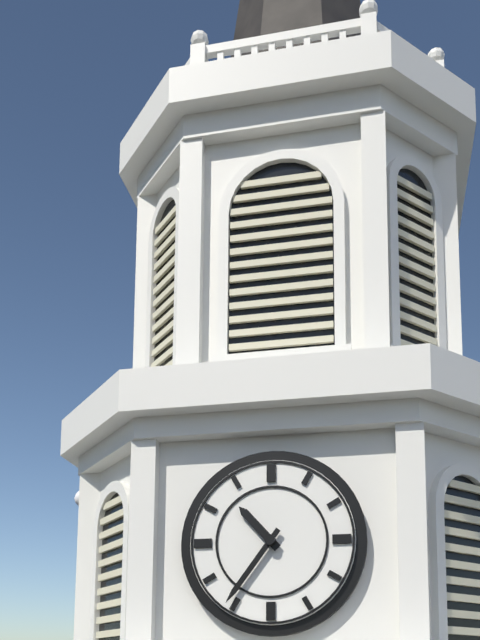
10:36
